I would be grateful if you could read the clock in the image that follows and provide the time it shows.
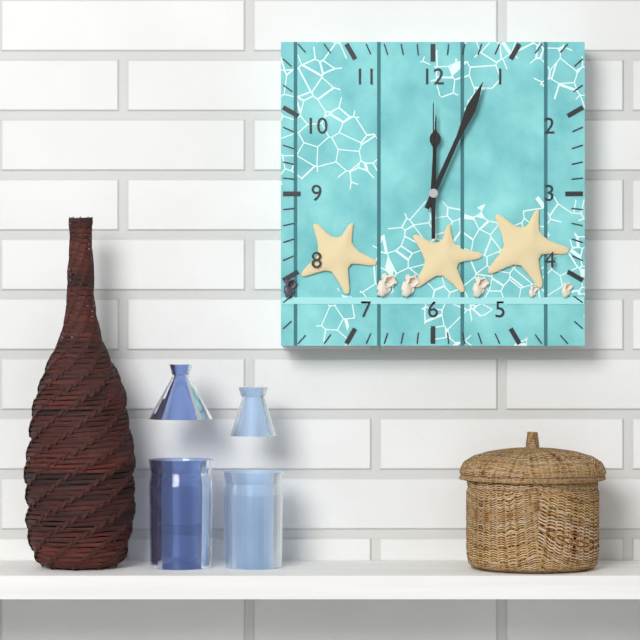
12:04:00
